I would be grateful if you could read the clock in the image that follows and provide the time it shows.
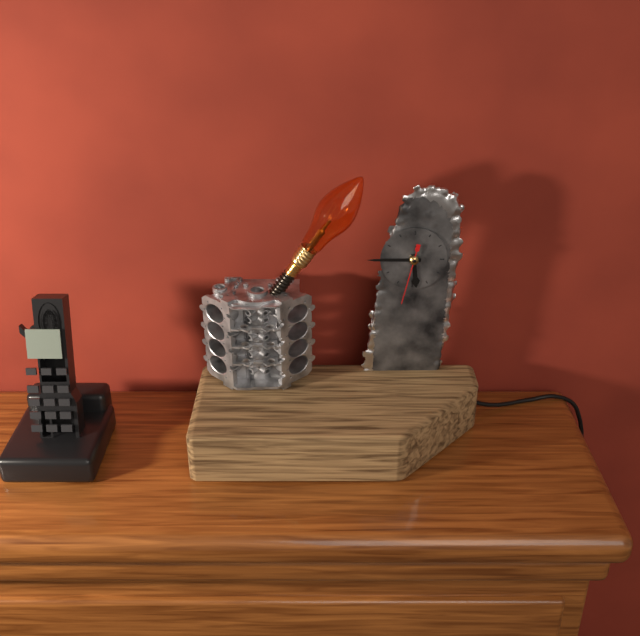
5:45:32
